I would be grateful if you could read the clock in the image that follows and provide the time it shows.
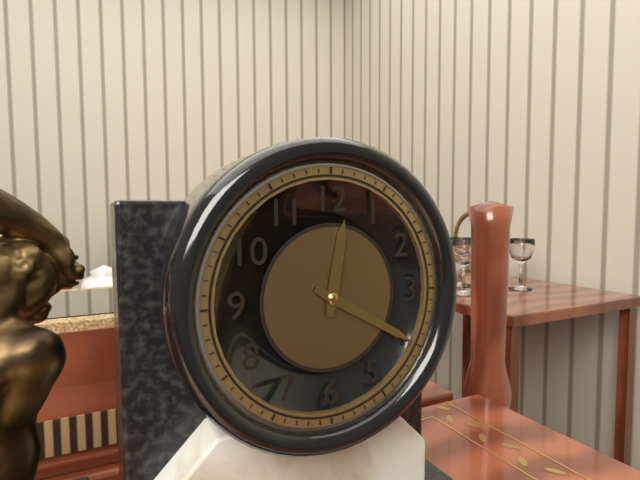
12:20
